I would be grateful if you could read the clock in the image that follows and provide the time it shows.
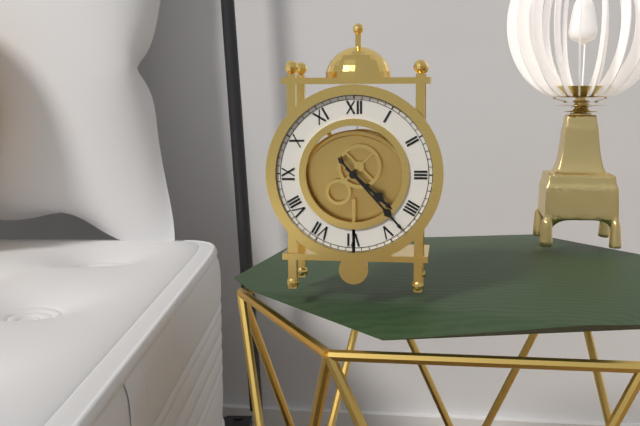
4:23
